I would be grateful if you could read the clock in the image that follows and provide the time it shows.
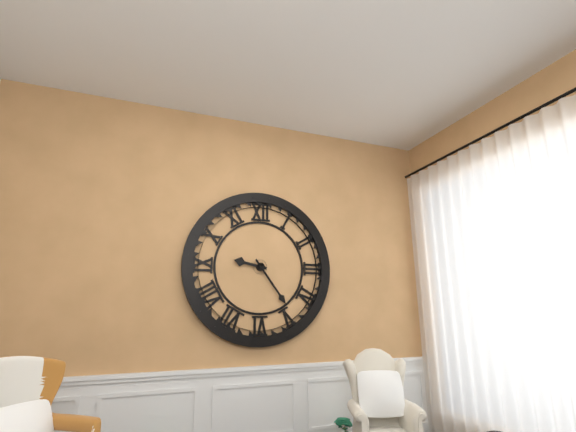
9:24
